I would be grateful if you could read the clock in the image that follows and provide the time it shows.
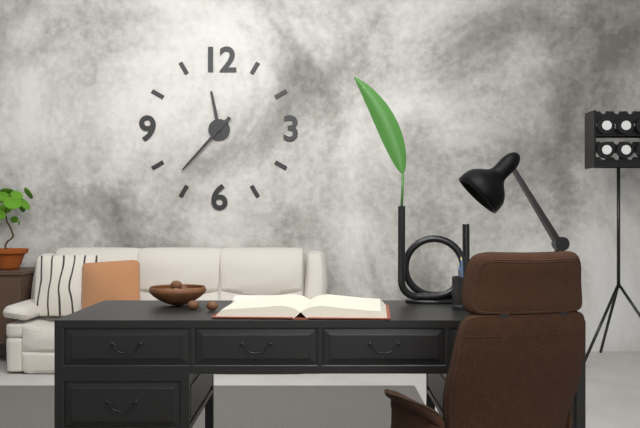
11:37
